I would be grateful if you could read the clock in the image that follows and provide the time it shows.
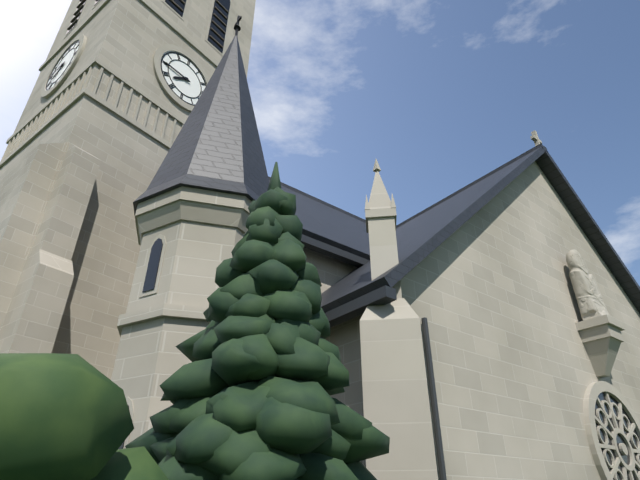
7:45
